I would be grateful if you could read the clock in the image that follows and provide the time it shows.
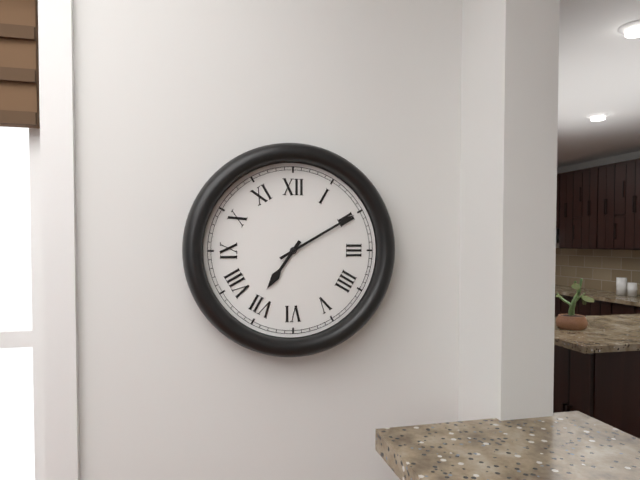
7:10
